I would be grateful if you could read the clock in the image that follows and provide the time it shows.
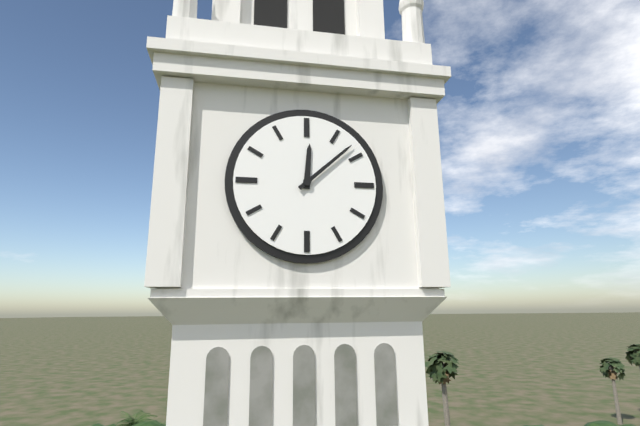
12:08
